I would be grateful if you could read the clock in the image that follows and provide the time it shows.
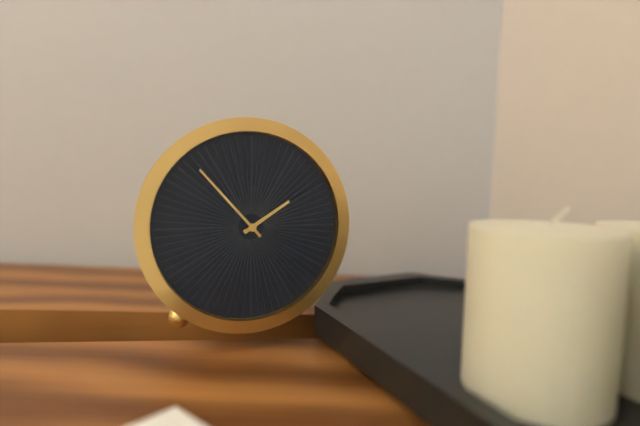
1:53
